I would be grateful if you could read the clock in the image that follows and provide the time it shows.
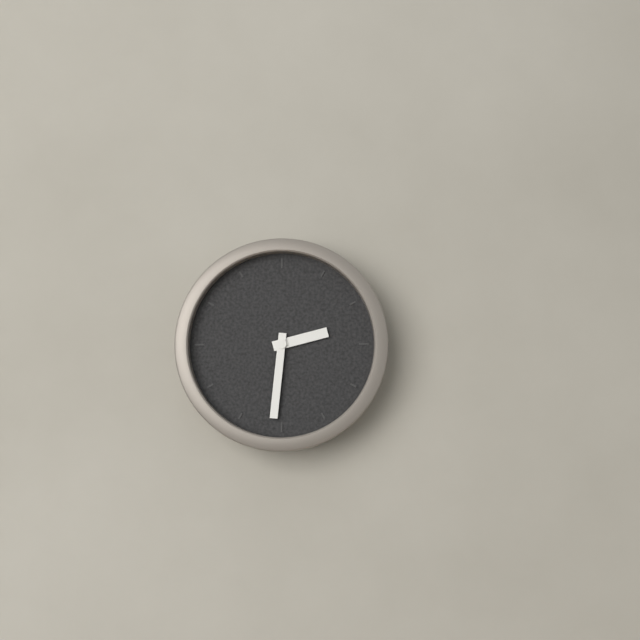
2:31
